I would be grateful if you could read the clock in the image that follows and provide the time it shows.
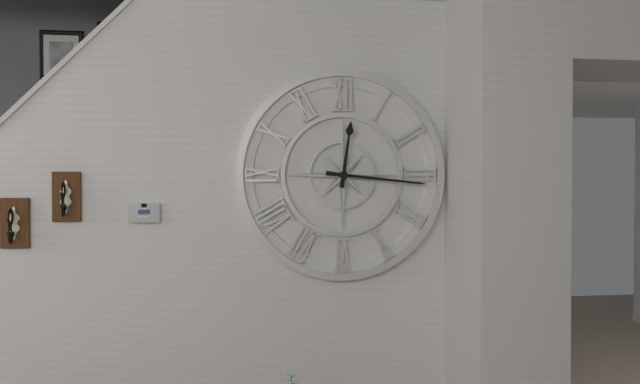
12:16
